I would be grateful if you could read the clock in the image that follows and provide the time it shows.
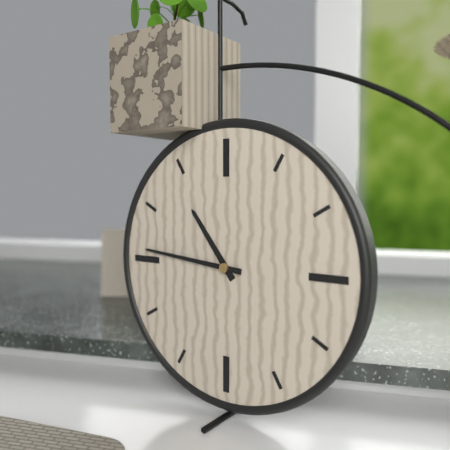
10:46
